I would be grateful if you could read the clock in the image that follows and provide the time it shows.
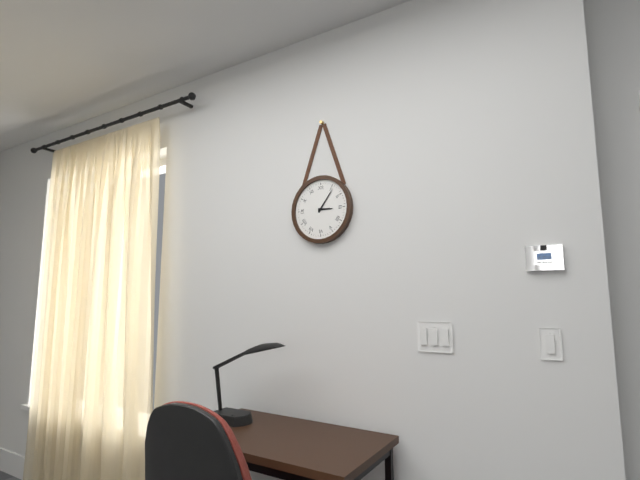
3:06
